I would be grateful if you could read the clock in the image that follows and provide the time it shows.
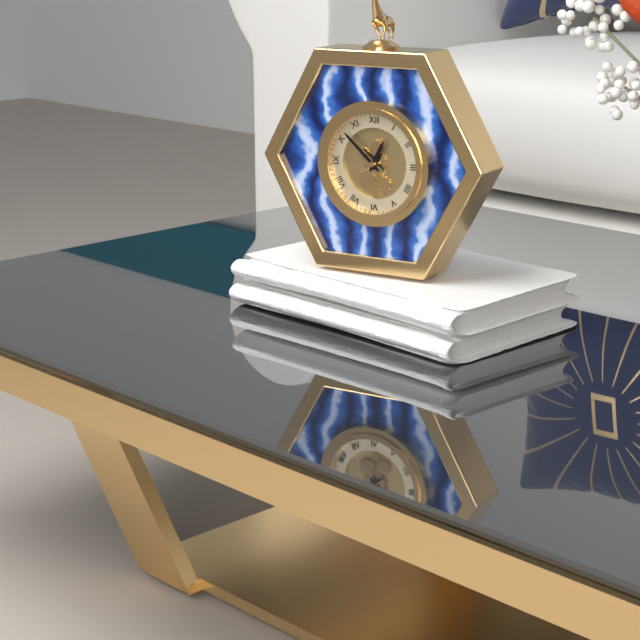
12:52
